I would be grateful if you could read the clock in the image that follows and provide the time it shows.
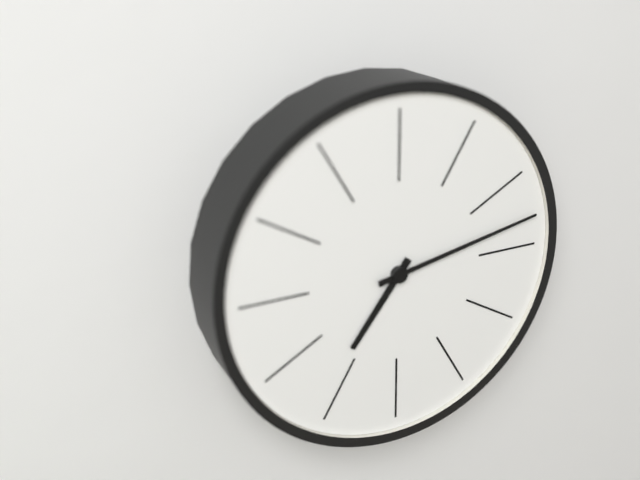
7:13
